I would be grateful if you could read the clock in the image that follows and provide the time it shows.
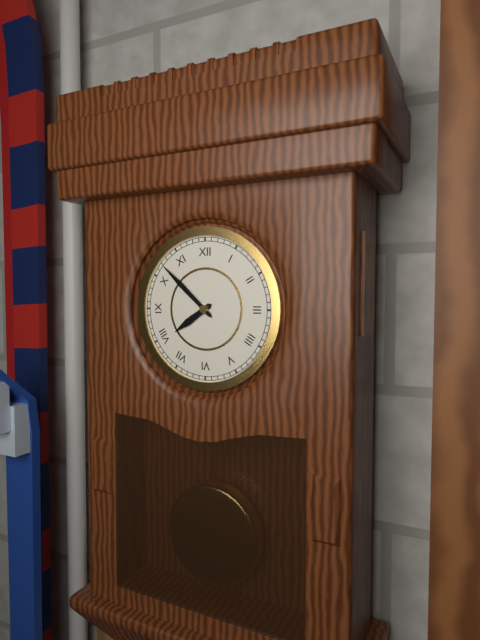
7:52
